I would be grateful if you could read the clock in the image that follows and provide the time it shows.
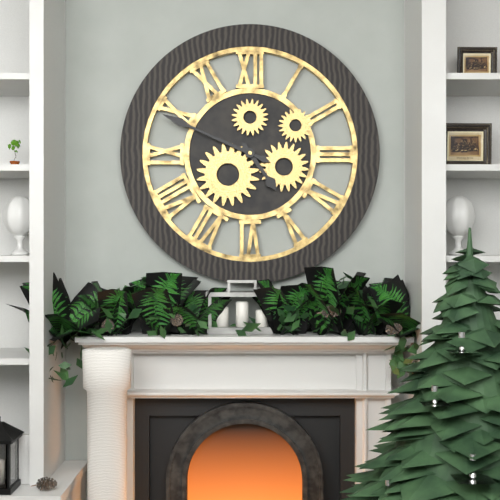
4:49
